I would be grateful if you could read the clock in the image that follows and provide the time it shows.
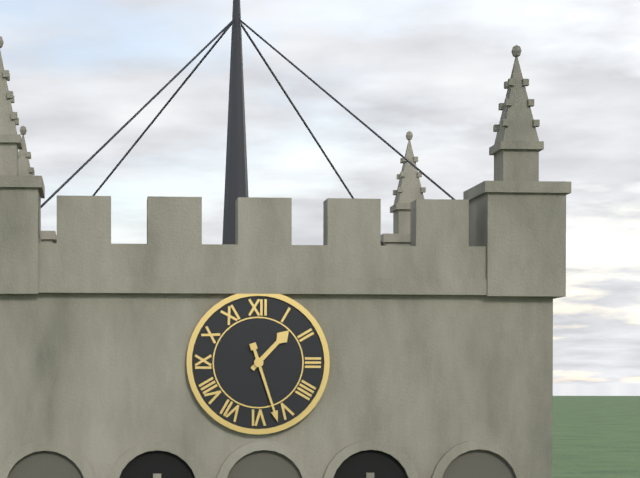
1:27
